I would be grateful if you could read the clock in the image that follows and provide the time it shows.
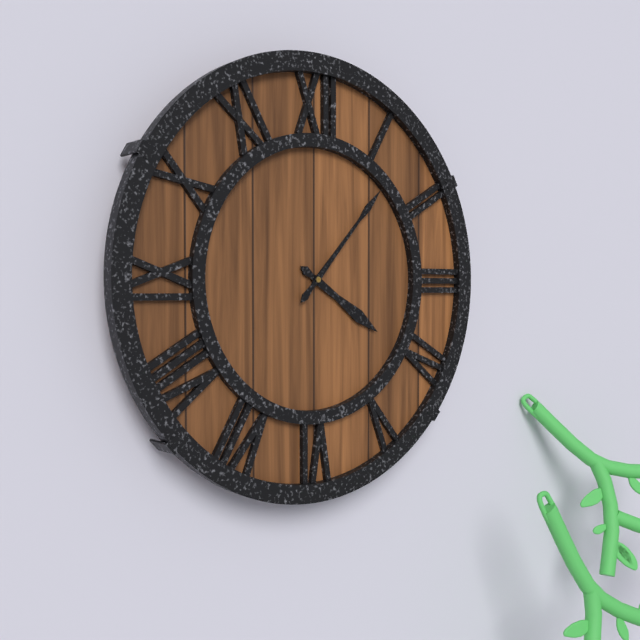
4:07
